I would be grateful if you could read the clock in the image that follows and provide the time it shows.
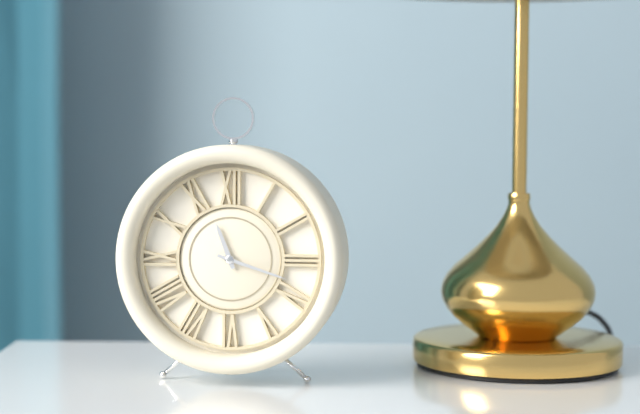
11:18
